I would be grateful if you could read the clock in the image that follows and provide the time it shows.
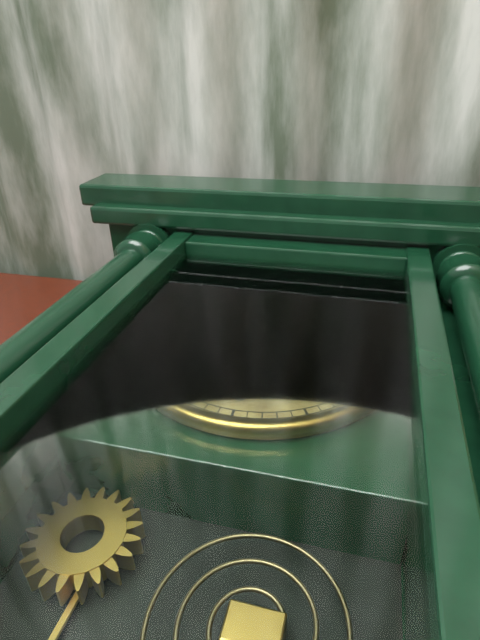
9:18
